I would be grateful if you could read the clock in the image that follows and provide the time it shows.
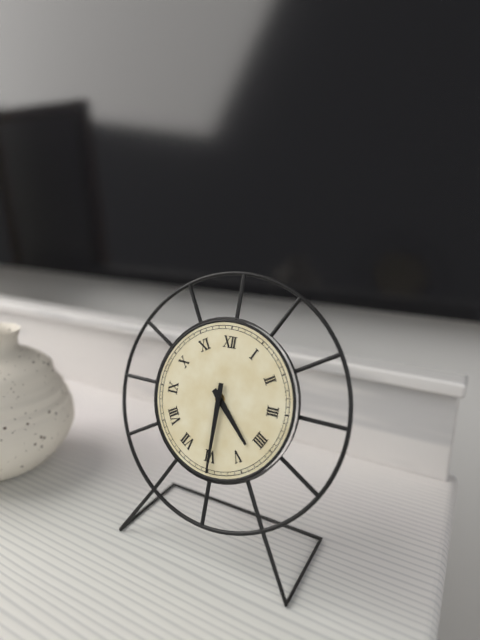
4:30
